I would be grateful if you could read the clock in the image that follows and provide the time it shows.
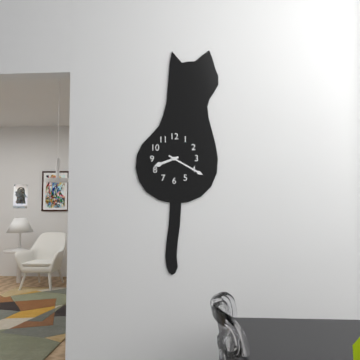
8:20
